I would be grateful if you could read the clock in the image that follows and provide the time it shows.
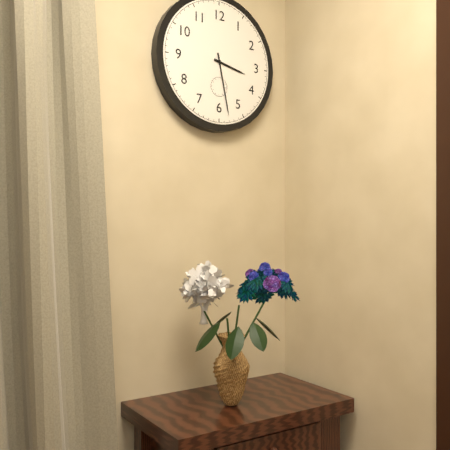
3:28
